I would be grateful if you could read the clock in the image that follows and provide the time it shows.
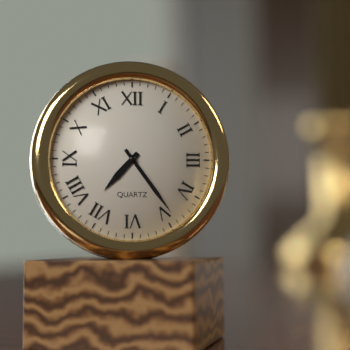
7:24
